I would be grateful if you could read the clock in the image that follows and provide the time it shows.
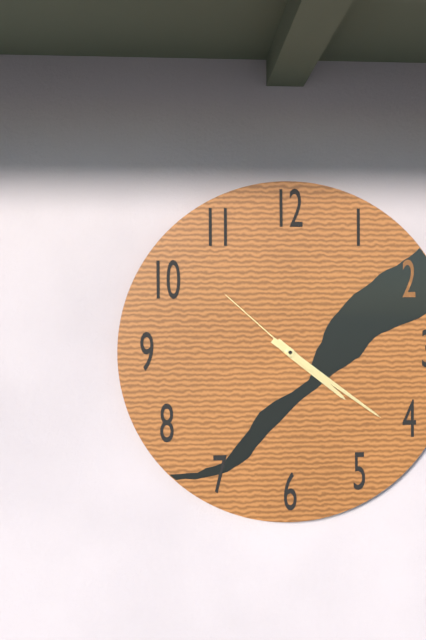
4:21:52
